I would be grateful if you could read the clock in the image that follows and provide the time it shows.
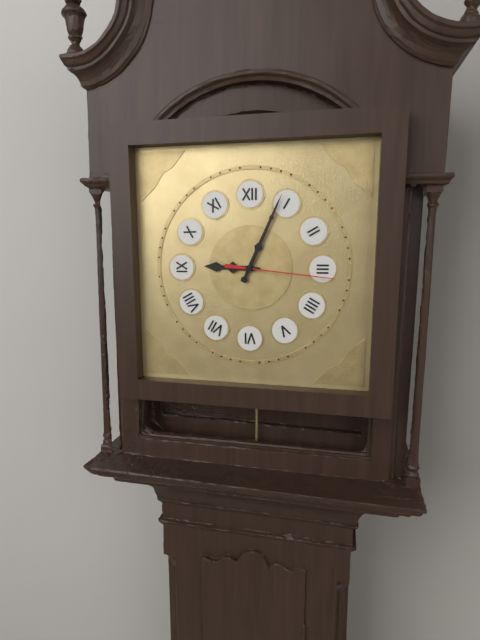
9:04:16
